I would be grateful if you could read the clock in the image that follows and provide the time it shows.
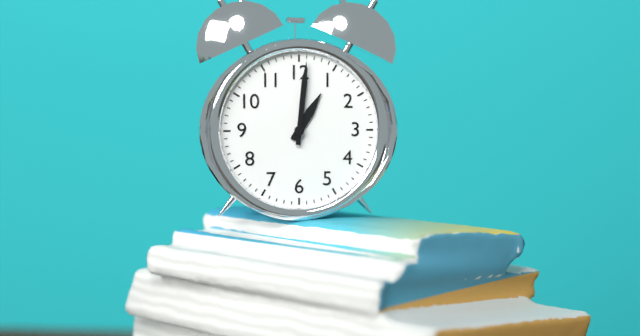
1:01
